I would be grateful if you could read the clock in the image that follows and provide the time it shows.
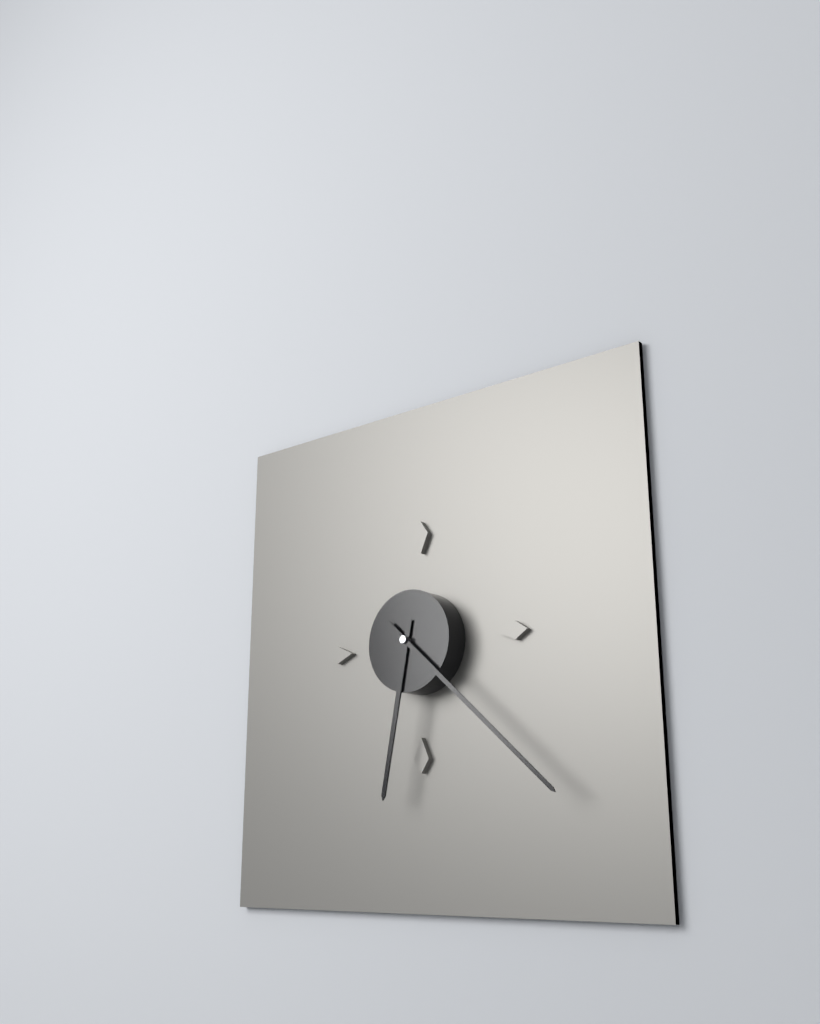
6:22
